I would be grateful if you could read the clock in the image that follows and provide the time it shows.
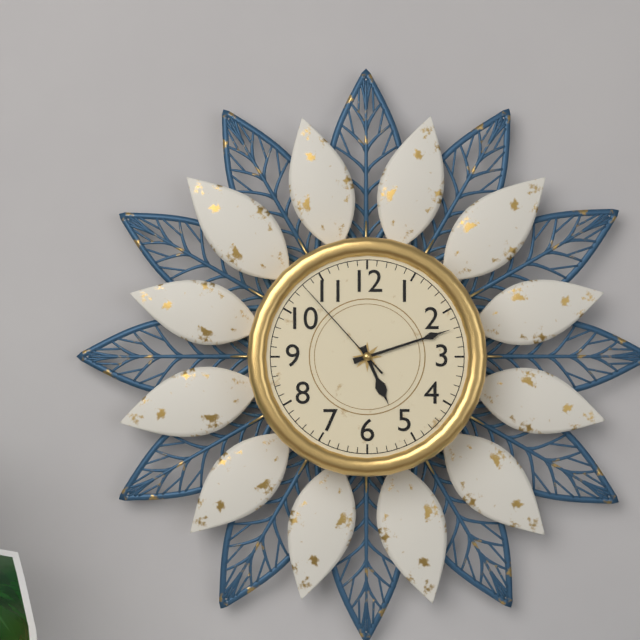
5:12:53
